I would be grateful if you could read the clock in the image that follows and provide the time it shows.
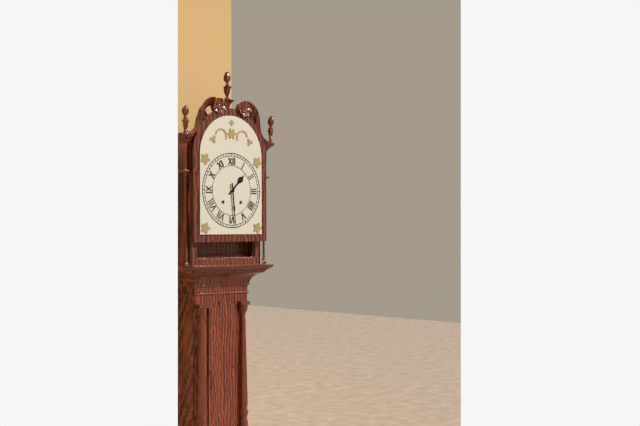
1:29
